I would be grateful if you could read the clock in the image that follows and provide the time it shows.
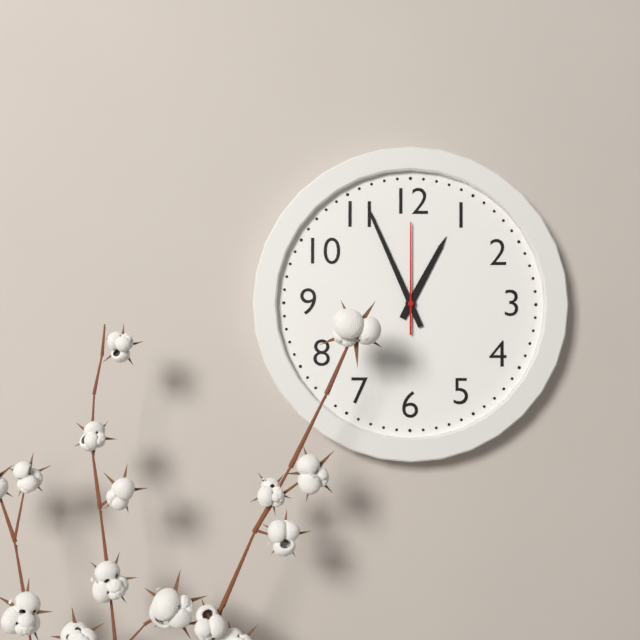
12:56:00
